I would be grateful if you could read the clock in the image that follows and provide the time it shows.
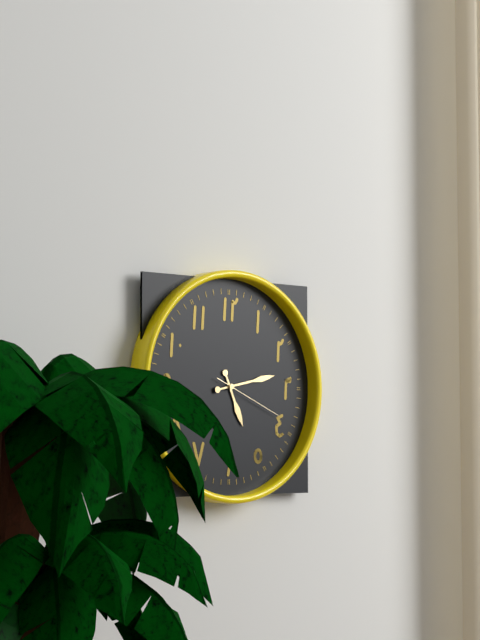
5:13:19
